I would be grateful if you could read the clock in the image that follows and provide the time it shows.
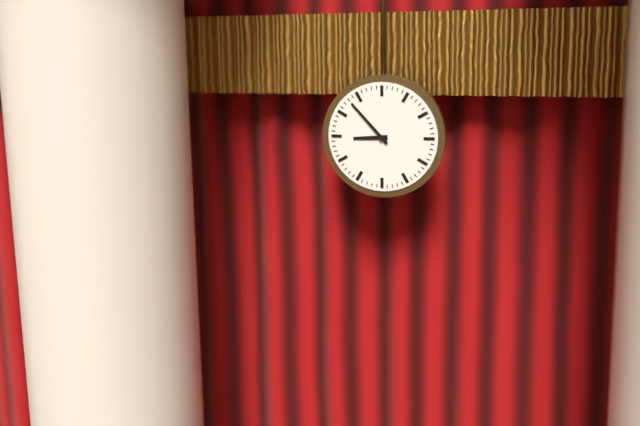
8:53
